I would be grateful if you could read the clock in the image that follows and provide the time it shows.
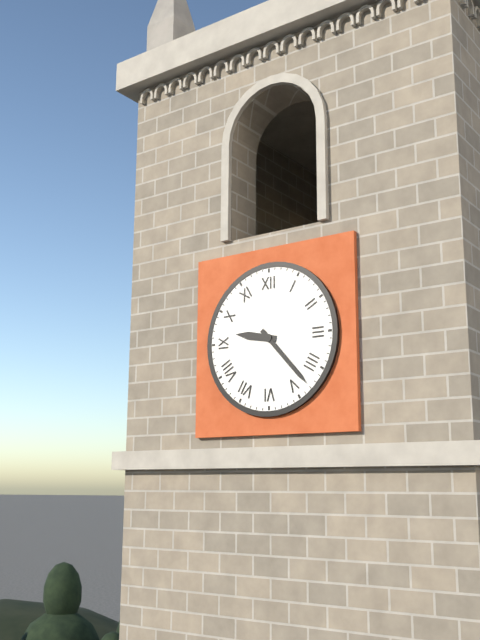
9:23
